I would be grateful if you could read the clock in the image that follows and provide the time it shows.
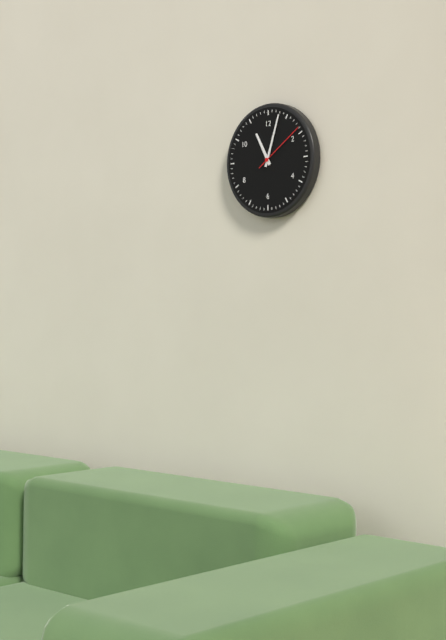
11:03:09
